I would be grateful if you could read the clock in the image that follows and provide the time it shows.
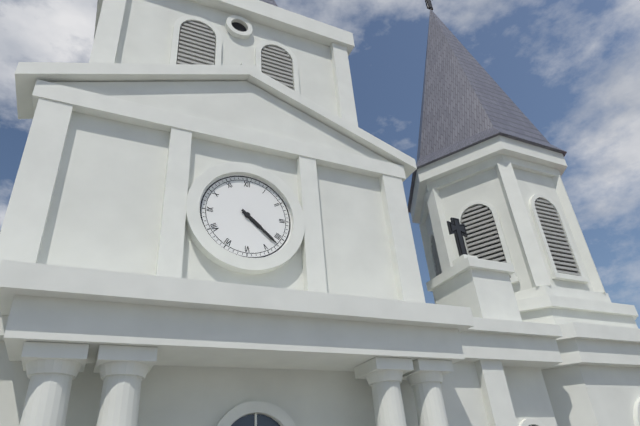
4:22
